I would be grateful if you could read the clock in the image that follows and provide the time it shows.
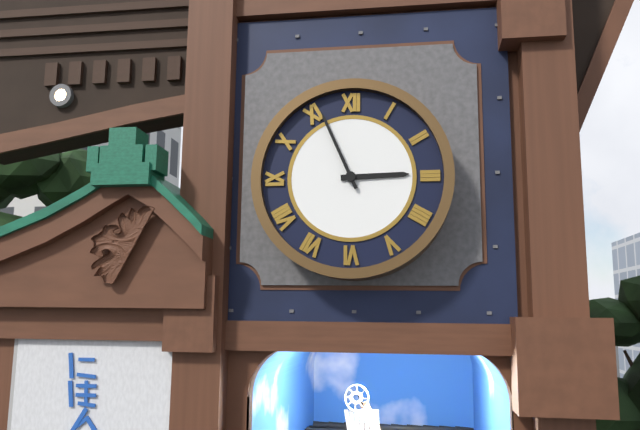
2:56
